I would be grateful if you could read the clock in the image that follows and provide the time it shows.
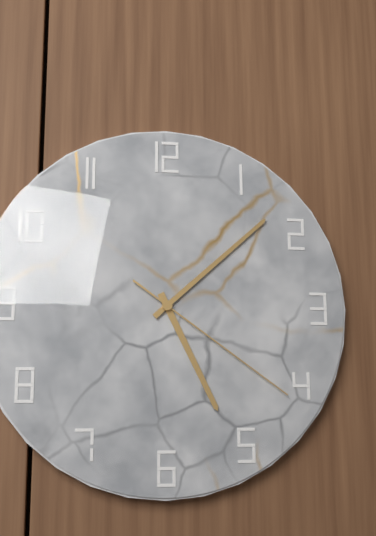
5:08:21
